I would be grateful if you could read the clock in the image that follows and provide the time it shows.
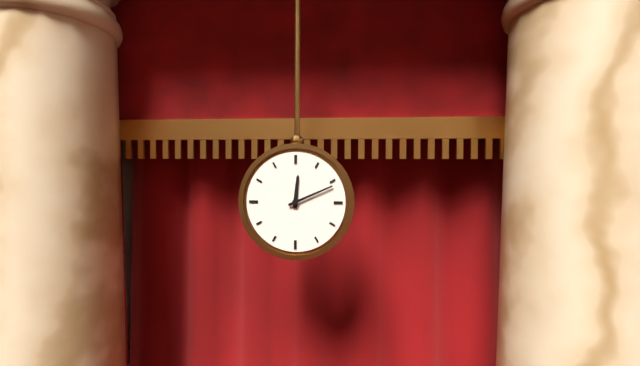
12:11
